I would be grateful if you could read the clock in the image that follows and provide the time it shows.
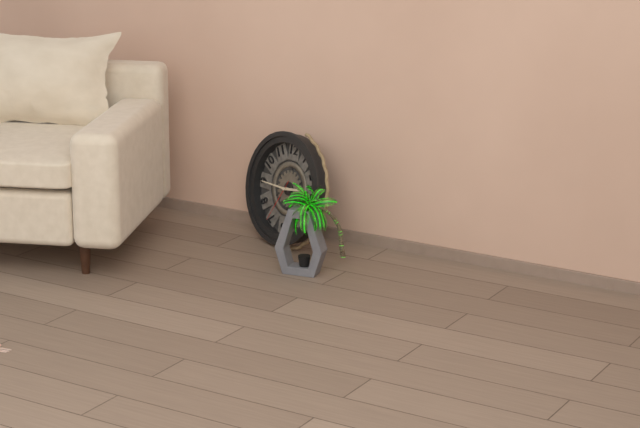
2:45
